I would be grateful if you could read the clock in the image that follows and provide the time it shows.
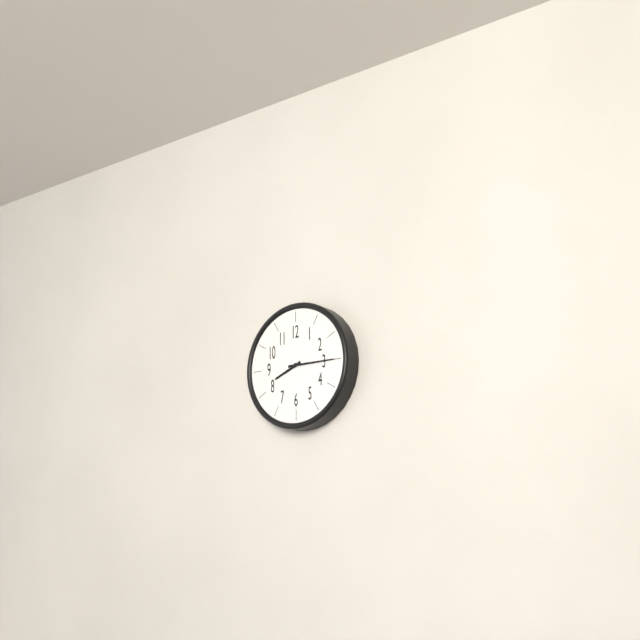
8:15
